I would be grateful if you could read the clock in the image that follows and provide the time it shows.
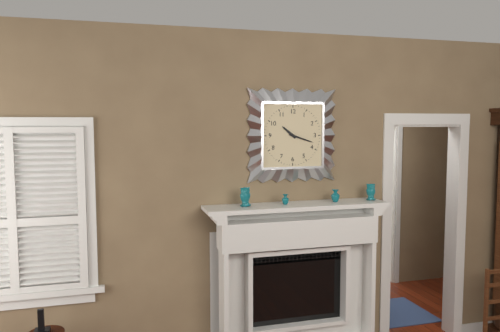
10:18
